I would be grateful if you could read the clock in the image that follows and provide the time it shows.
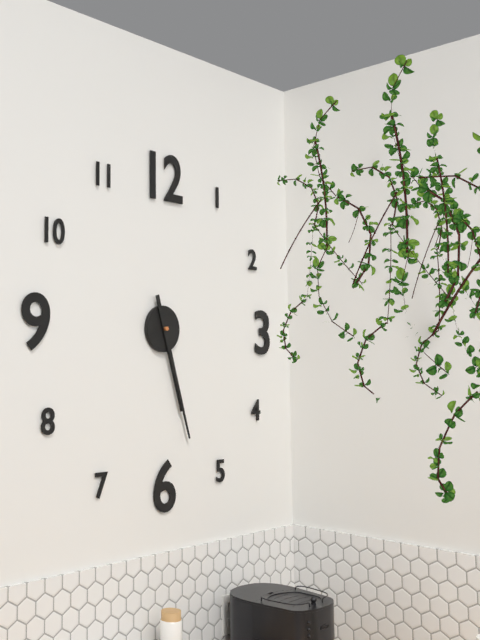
5:27
